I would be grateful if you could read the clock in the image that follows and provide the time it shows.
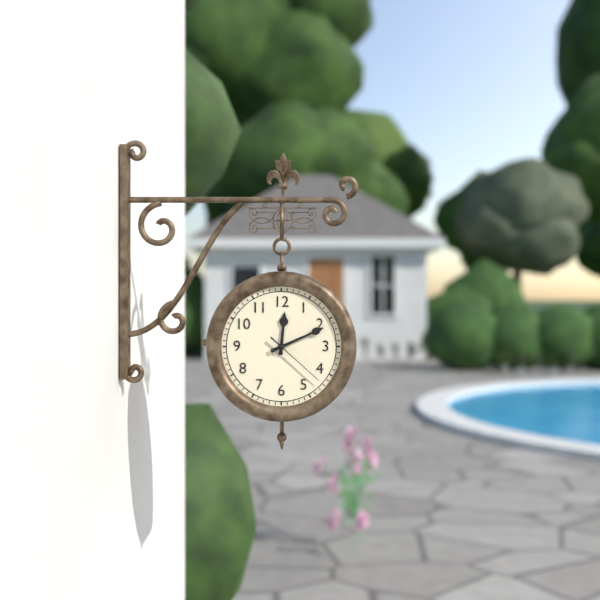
12:11:22
